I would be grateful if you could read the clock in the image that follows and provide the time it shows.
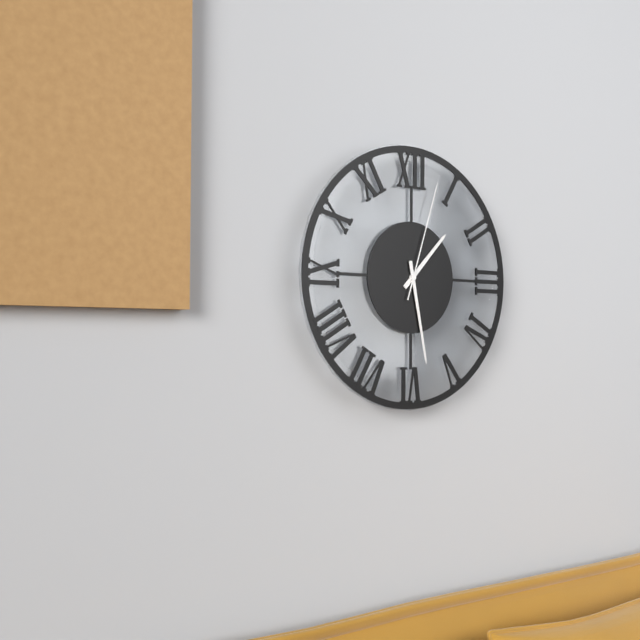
1:28:03
